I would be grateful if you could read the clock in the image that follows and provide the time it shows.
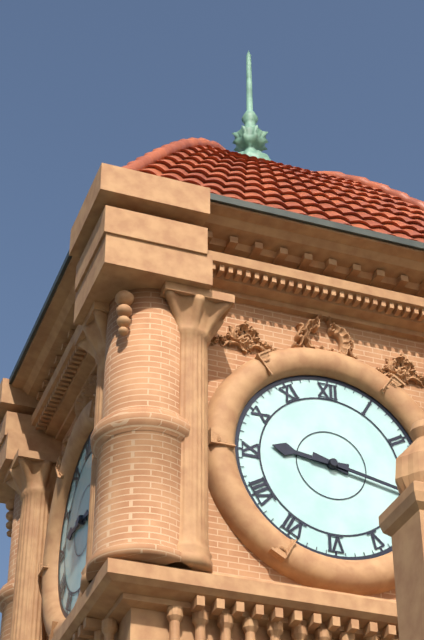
9:17
